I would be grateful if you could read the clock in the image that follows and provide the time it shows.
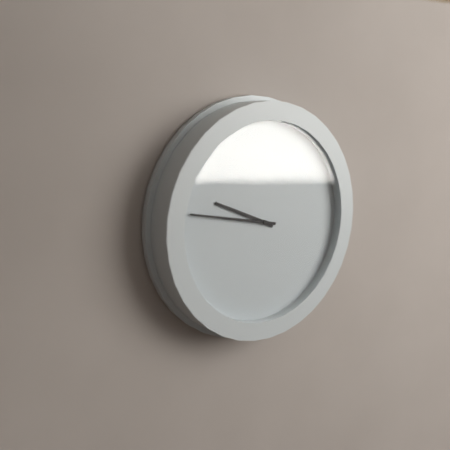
9:47
